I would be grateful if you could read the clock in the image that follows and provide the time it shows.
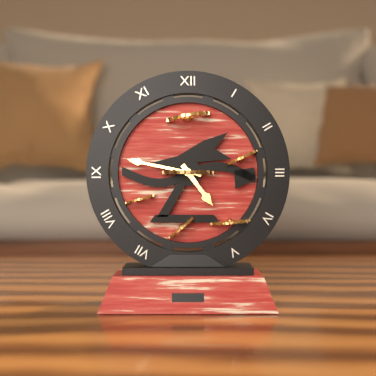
4:47
